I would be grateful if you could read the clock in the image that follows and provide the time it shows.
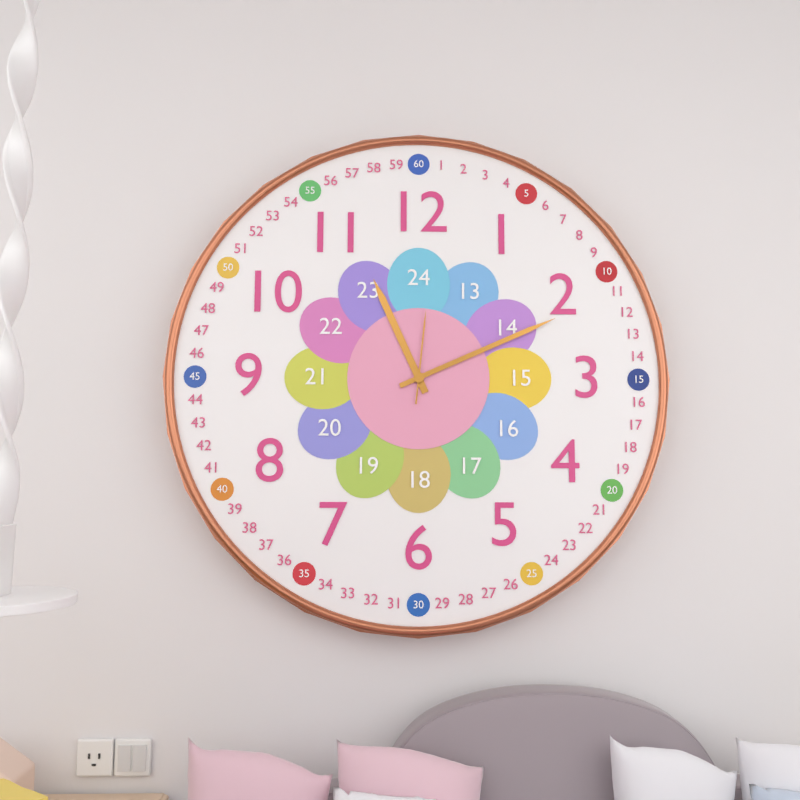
11:11:01
